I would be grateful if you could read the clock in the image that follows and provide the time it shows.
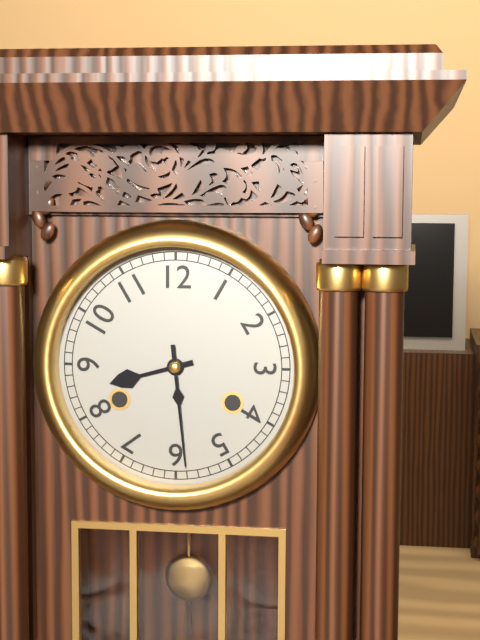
8:29
